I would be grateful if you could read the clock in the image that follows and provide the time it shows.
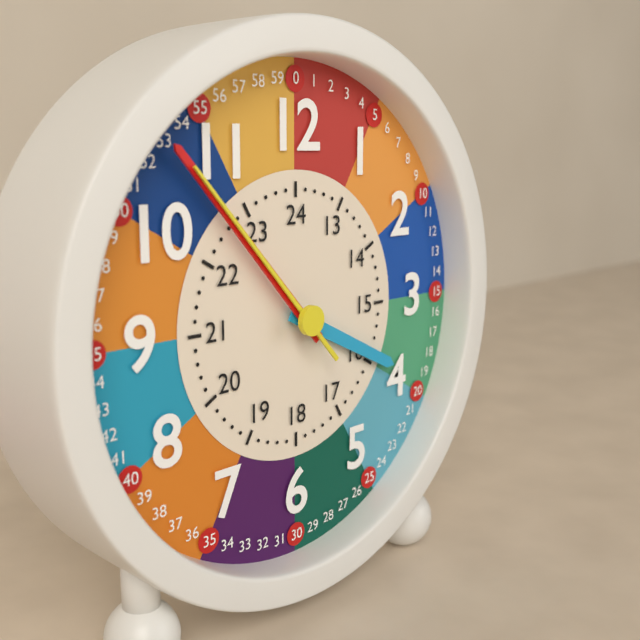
3:53:53
